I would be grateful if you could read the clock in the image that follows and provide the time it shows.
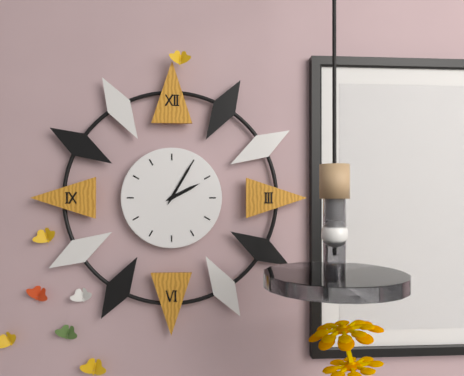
2:05
